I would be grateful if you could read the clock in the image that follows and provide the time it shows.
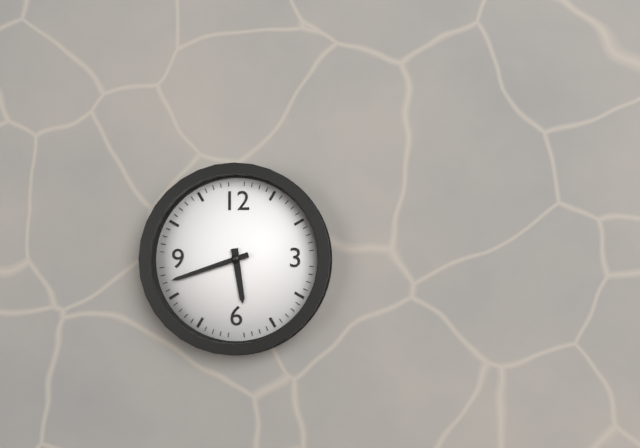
5:42
